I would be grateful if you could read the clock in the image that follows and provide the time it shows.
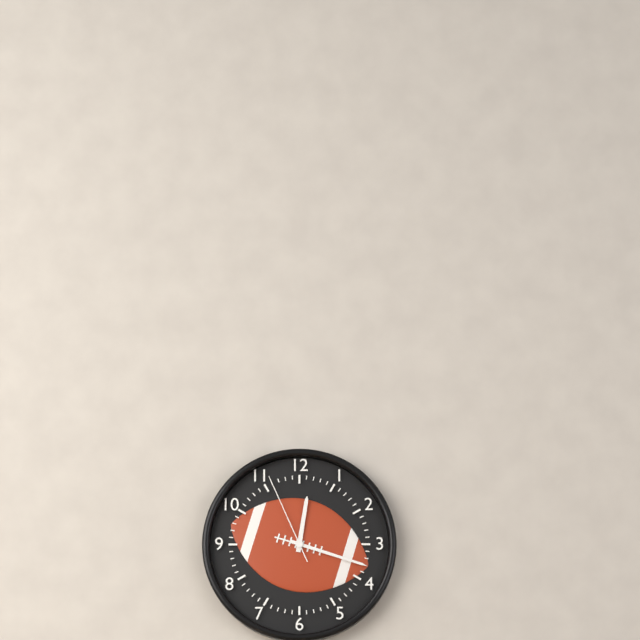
12:18:56
